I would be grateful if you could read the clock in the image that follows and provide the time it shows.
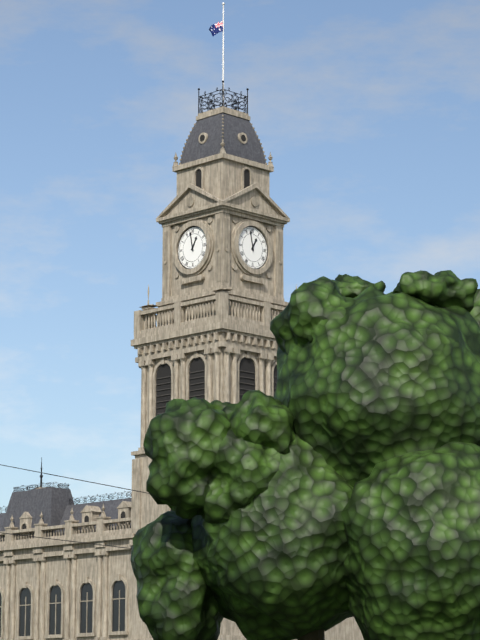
12:58
